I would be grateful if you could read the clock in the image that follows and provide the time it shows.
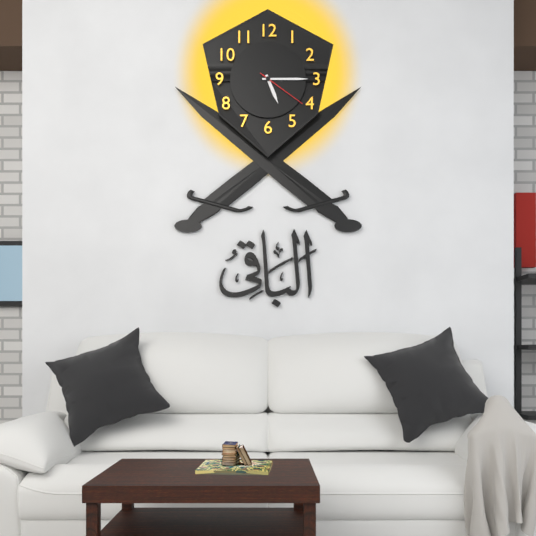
5:15:21
